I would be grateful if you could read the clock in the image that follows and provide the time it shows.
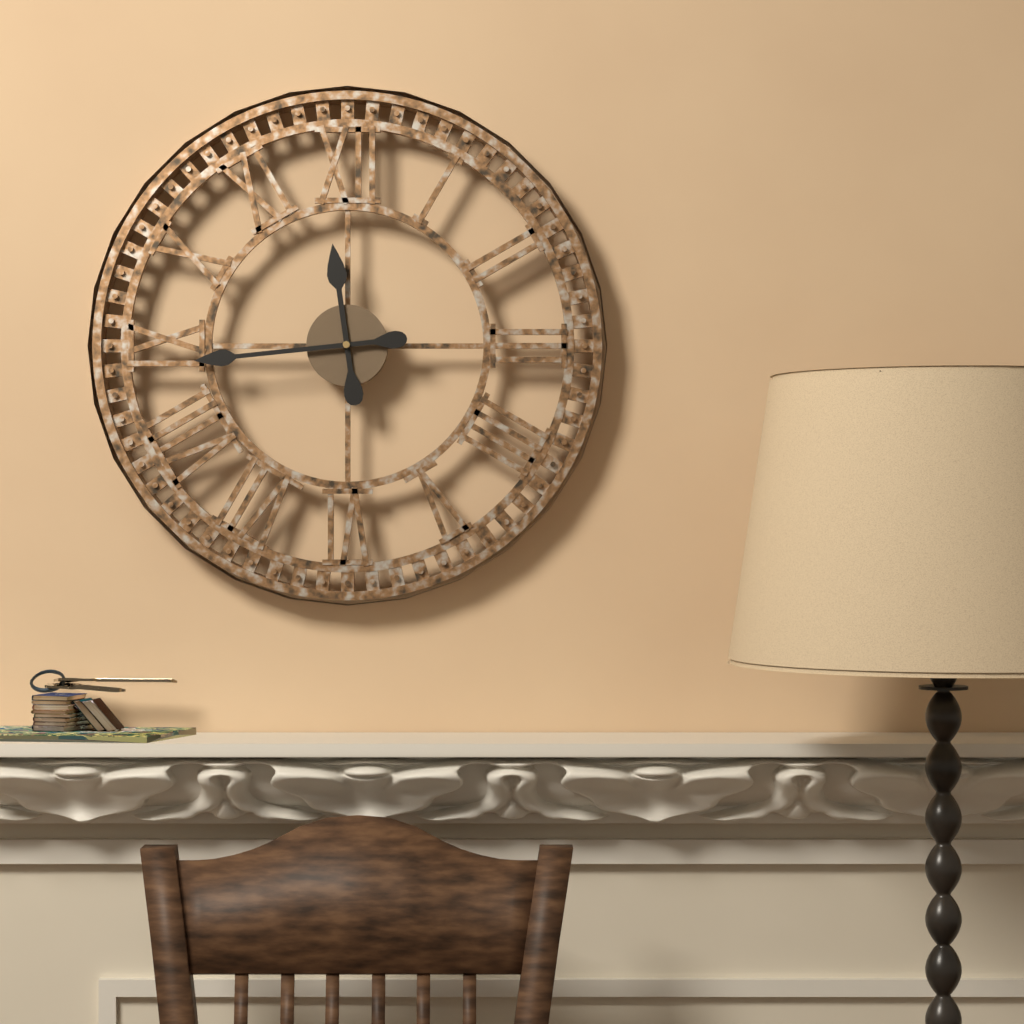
11:44
